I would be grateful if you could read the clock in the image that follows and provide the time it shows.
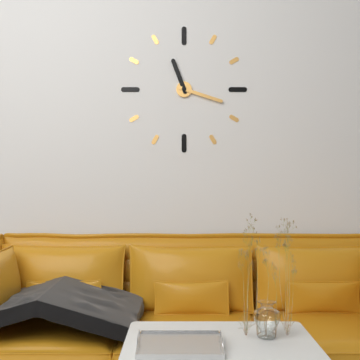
11:18
